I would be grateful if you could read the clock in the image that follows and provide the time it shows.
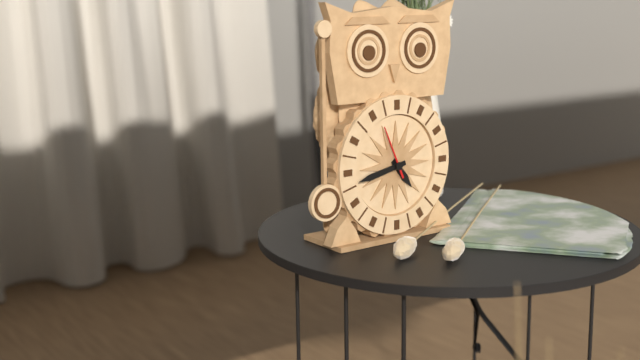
4:43
